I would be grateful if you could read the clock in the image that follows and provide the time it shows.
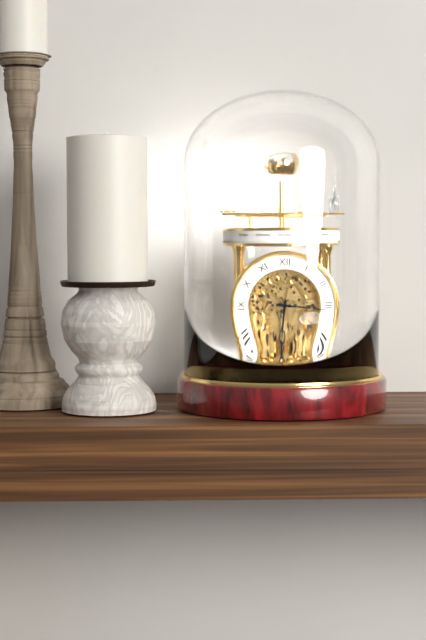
6:16
